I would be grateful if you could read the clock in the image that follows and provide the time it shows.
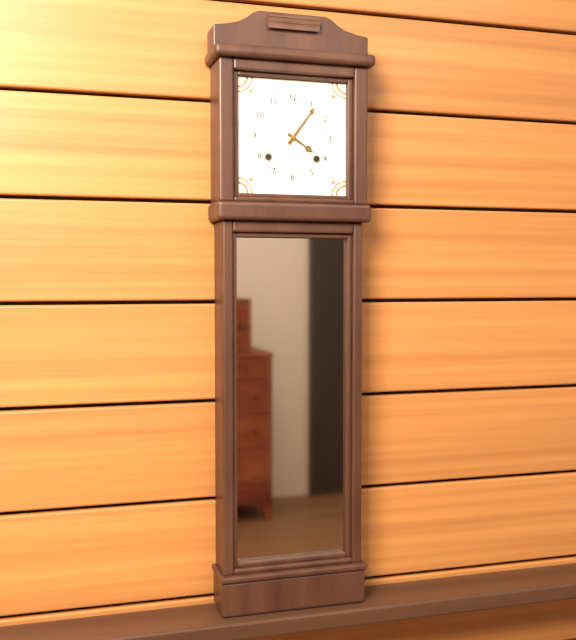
4:06
